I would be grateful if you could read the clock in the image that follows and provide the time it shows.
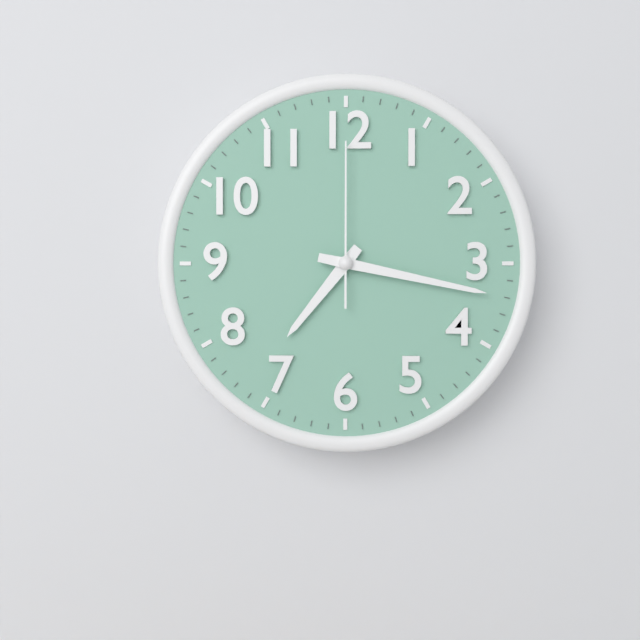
7:17:00
